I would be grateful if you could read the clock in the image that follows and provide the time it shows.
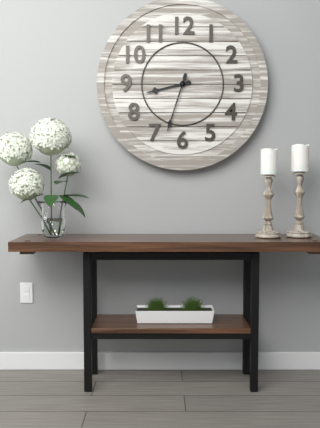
8:33
